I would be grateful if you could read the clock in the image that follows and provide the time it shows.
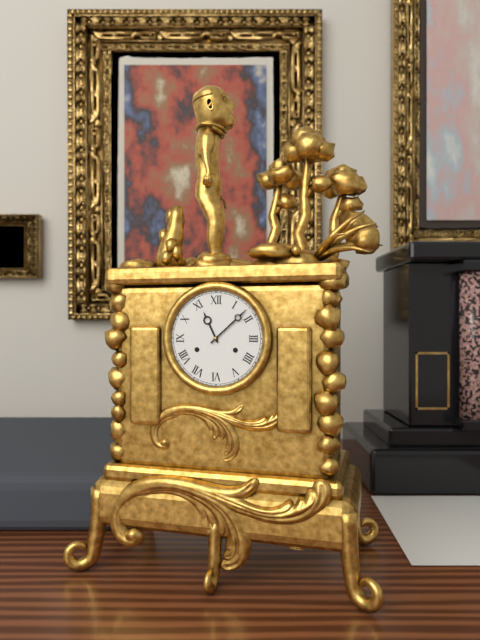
11:08
